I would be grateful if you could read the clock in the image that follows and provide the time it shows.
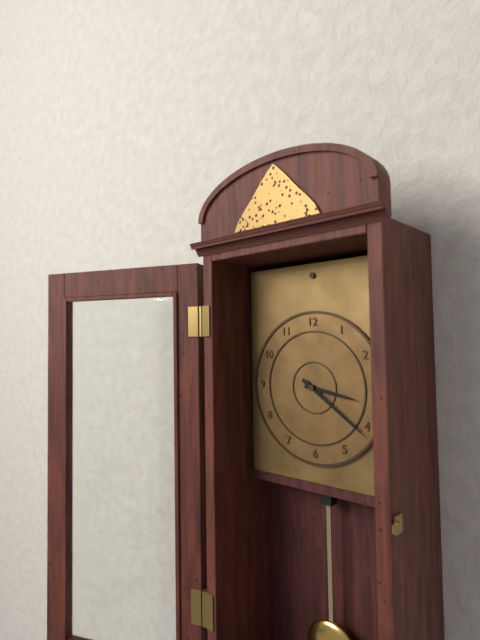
3:21
